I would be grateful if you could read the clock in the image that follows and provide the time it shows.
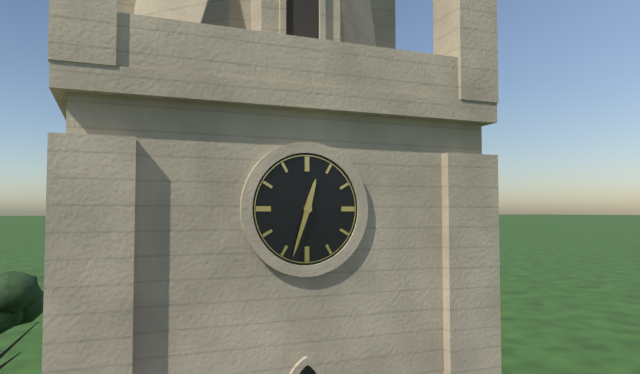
12:33
